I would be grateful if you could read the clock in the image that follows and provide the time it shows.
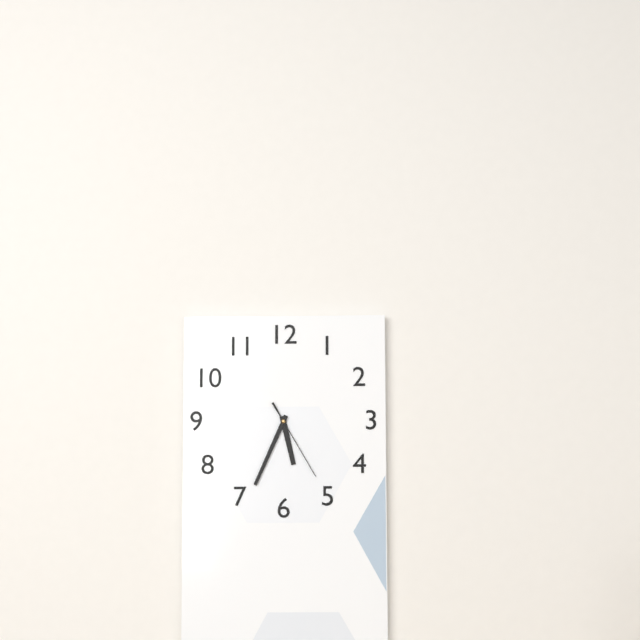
5:34:25
